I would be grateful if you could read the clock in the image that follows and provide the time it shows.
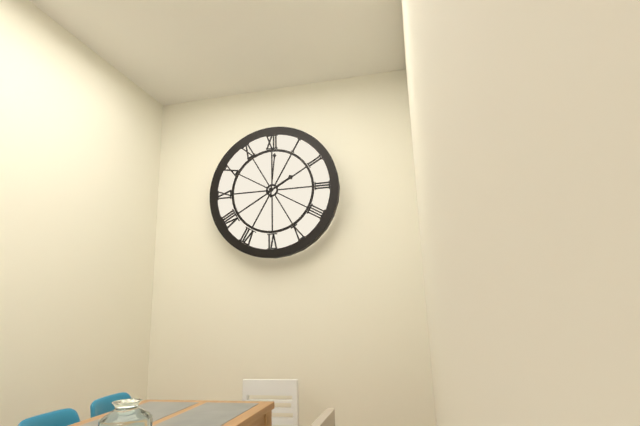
2:01
